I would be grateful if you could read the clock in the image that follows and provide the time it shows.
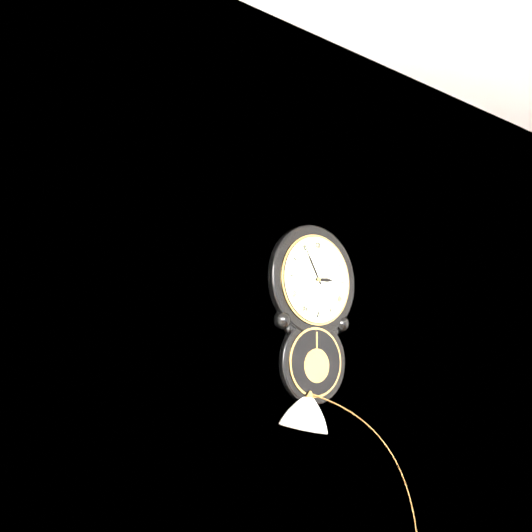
2:55
